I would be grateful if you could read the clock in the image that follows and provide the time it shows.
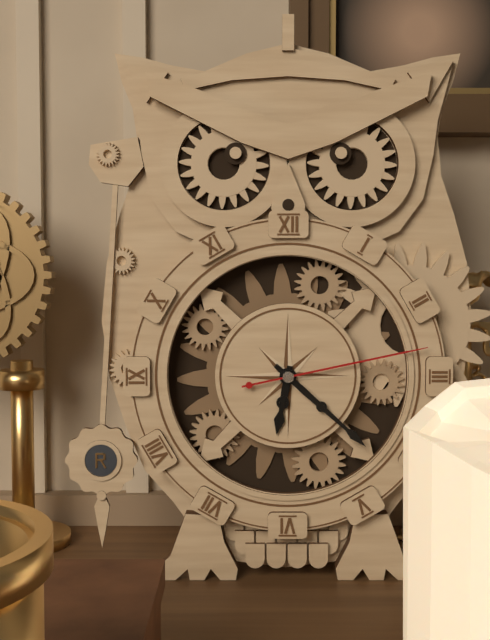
6:22:13
